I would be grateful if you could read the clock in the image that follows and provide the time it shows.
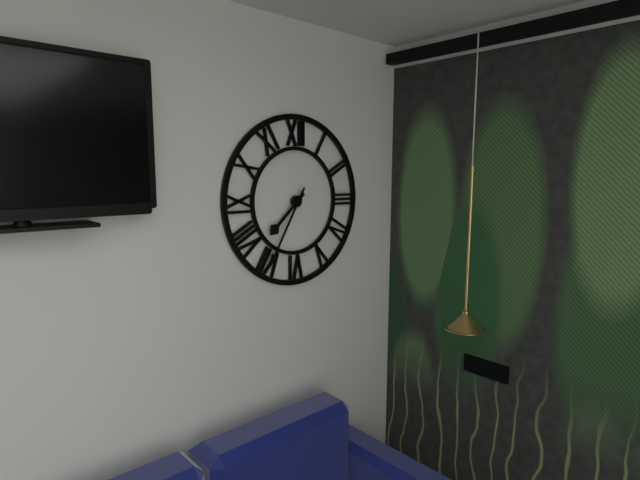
7:35
